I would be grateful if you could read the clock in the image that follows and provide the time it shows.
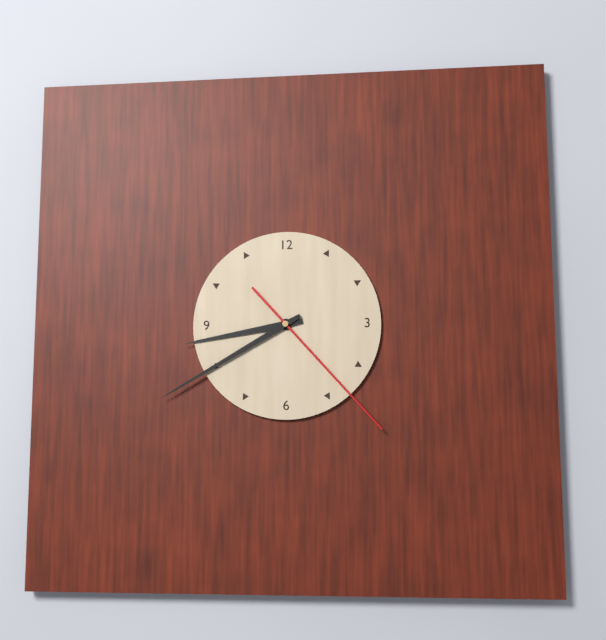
8:40:23
